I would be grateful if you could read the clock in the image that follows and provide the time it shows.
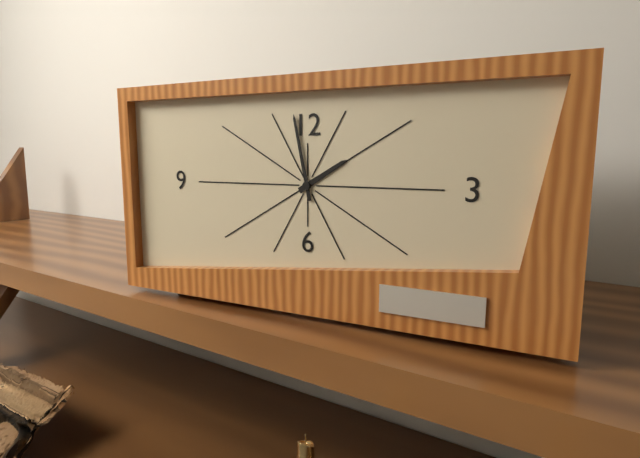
1:58
